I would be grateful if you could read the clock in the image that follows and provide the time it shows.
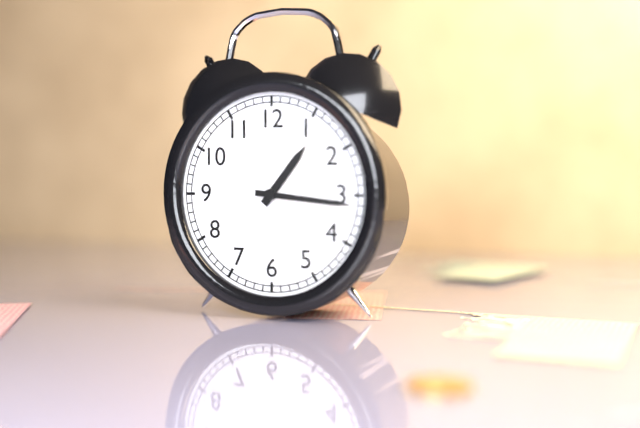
1:16
